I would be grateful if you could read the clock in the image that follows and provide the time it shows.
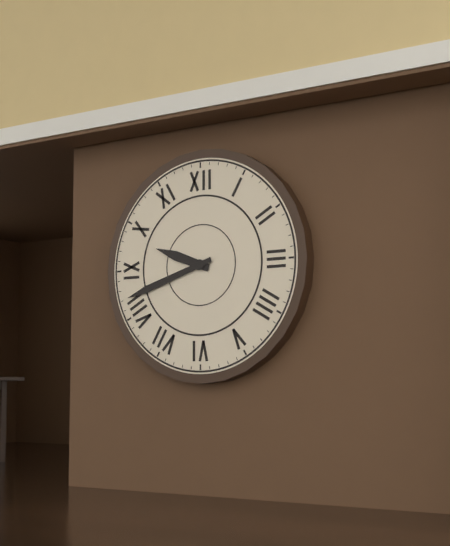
9:42
